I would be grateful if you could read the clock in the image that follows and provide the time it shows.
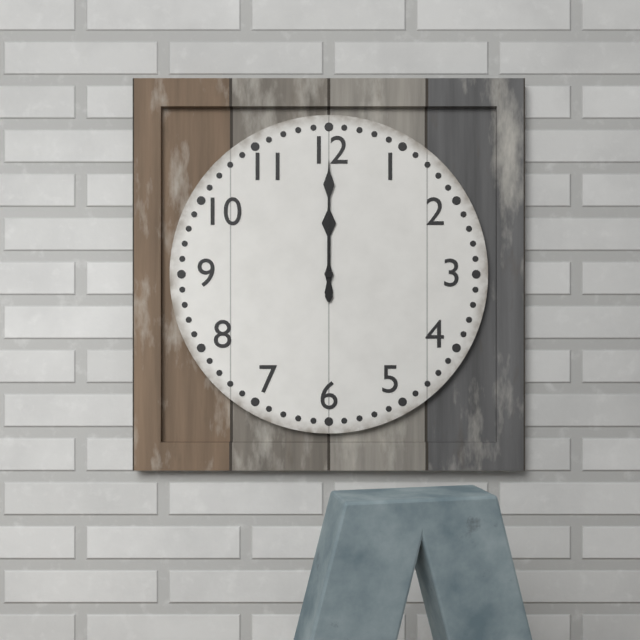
12:00
